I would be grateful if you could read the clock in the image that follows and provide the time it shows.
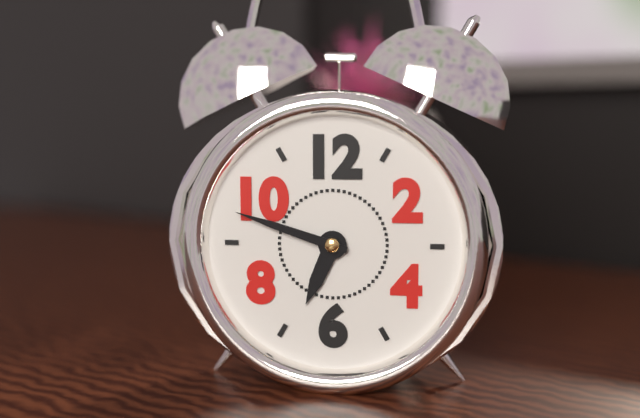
6:48
